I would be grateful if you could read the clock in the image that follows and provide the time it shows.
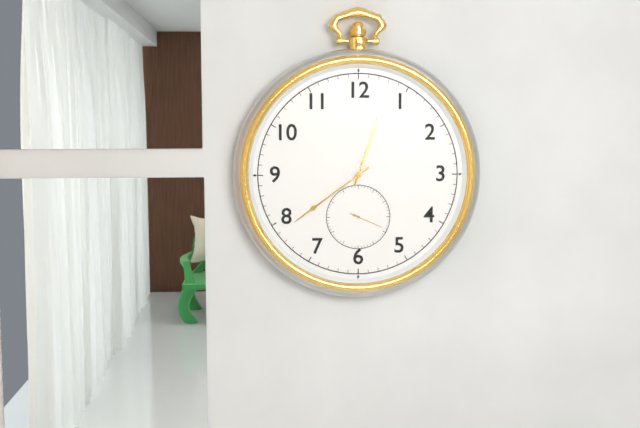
12:39
